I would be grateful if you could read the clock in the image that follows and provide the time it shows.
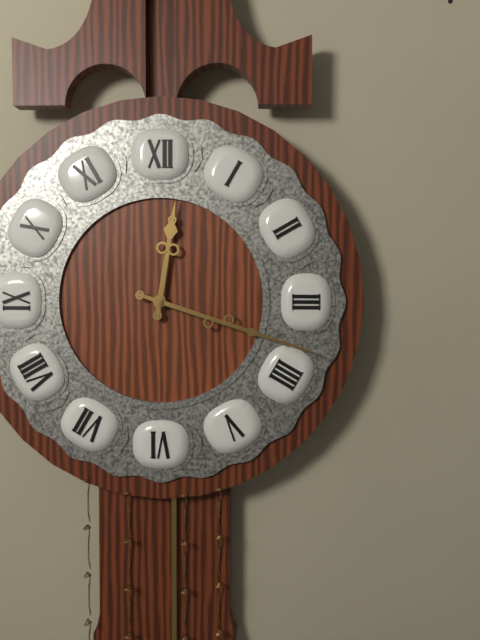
12:18
